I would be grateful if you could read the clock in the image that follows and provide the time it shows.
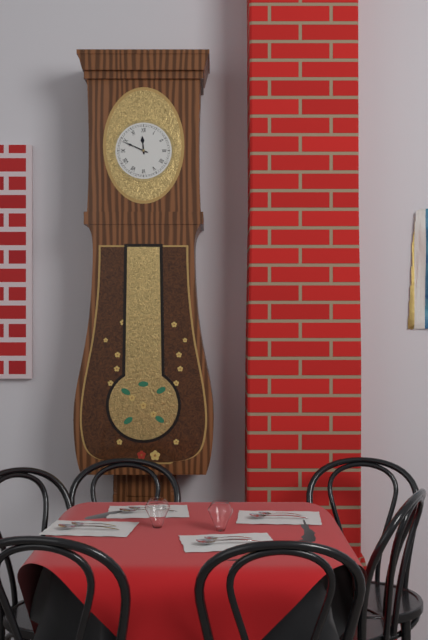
11:49
